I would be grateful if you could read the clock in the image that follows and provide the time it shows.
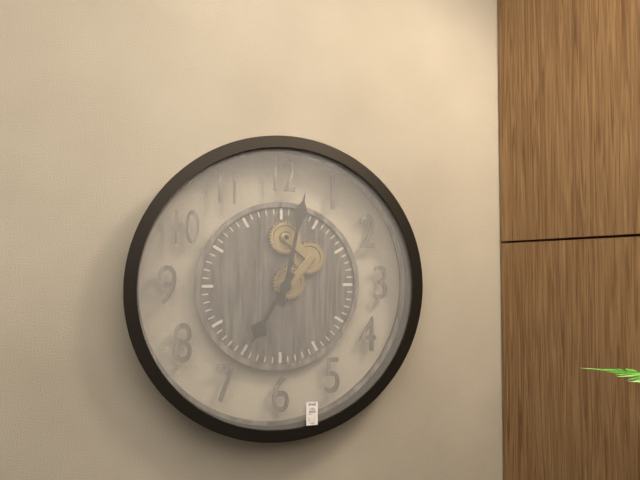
7:02
